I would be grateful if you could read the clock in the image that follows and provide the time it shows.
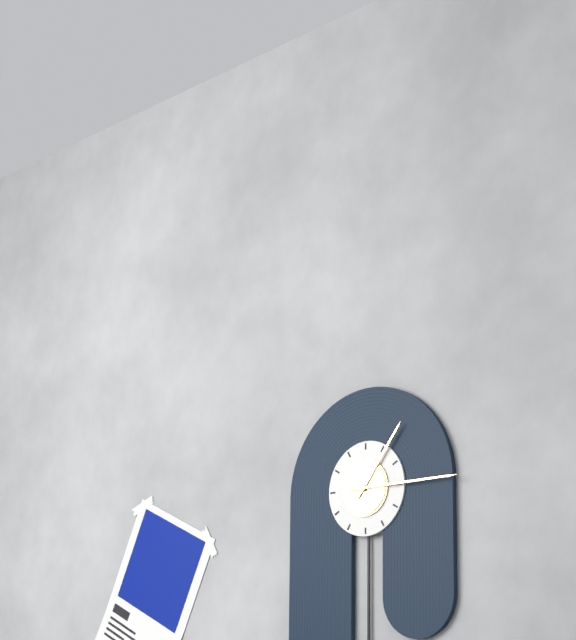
1:15
